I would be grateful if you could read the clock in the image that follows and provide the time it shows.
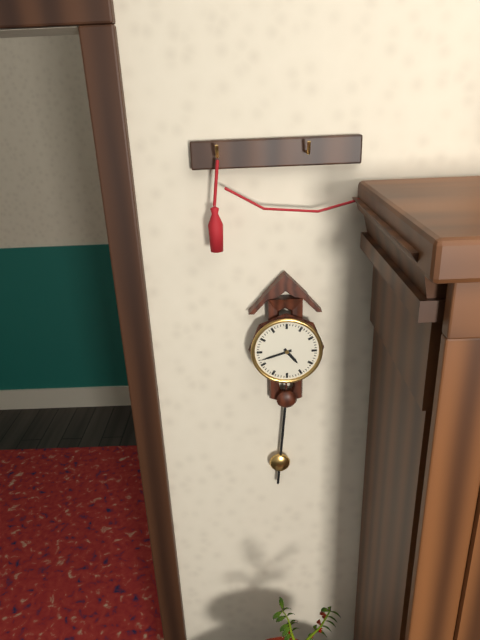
4:42
